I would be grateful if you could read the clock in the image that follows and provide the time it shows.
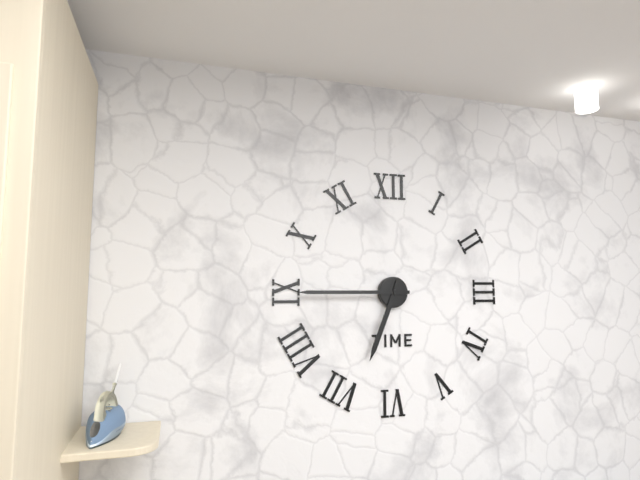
6:45
